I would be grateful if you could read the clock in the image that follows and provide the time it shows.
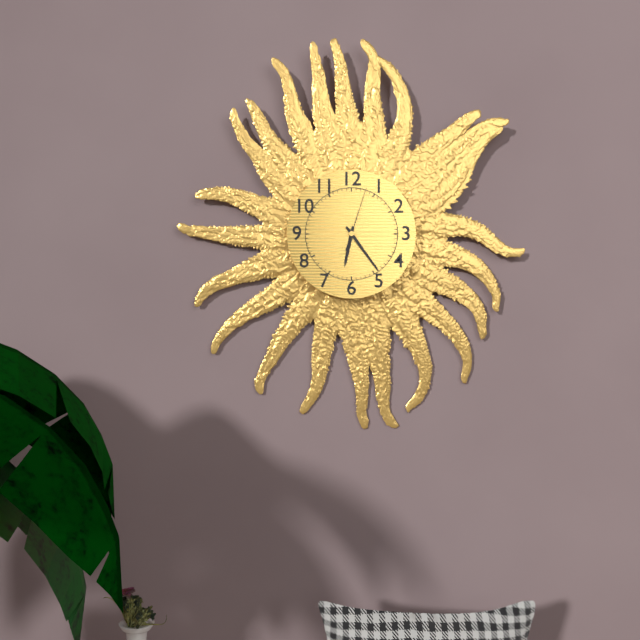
6:24:03
